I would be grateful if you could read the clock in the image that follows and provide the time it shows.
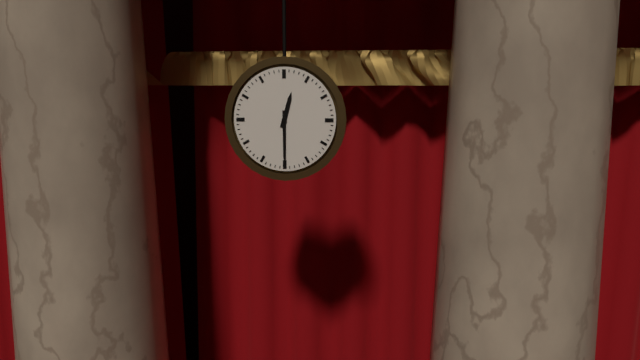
12:30
